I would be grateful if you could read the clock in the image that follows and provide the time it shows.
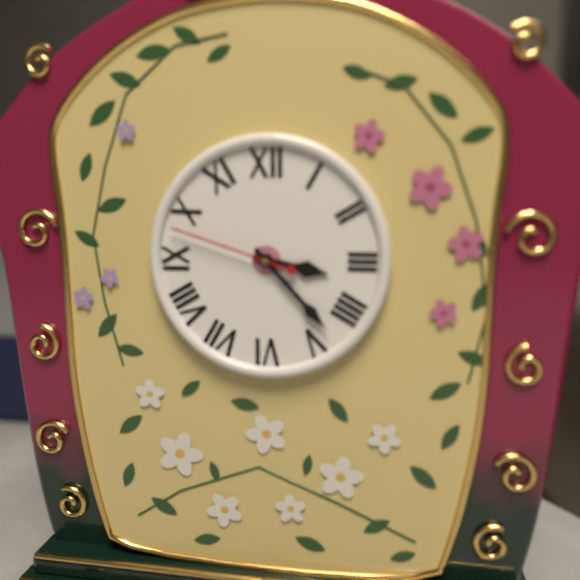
3:23:48
